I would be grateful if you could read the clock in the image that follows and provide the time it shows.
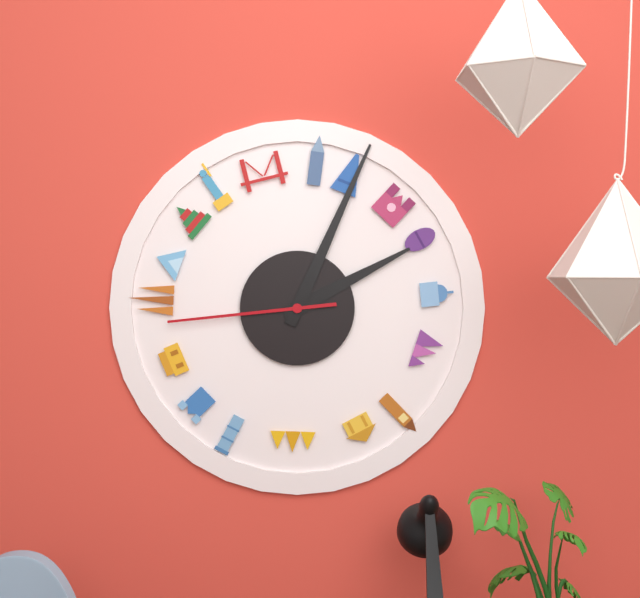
2:04:44
